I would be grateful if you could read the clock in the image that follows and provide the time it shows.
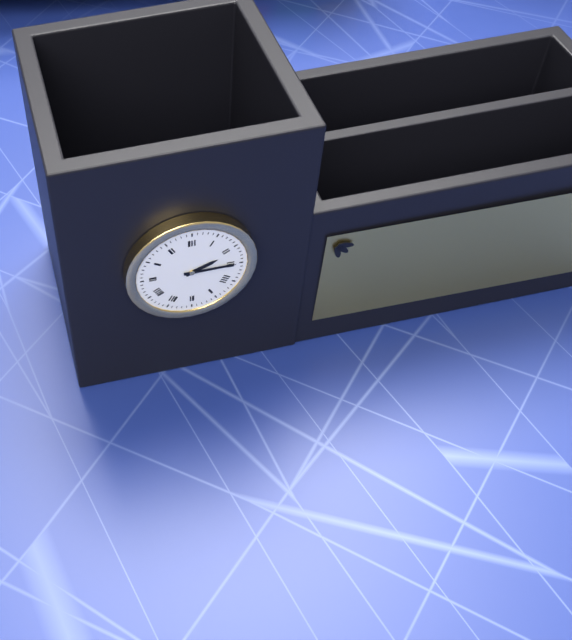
2:15
